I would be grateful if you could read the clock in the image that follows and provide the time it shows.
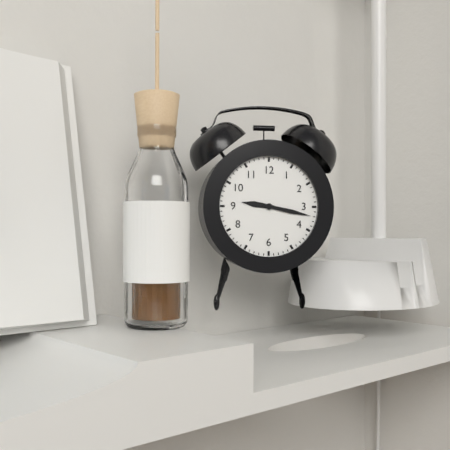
9:17
